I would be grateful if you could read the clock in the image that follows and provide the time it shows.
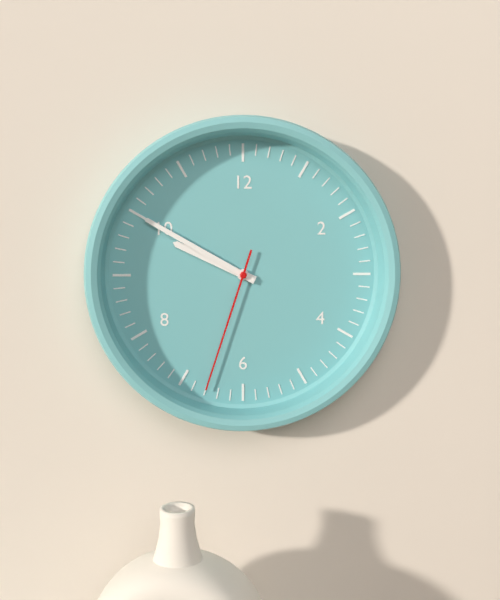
9:50:33
